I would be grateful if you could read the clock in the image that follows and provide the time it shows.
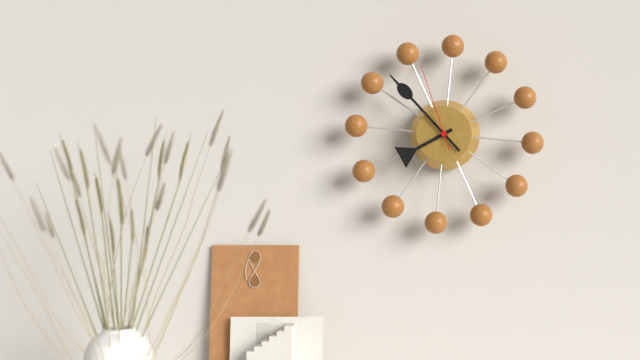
7:52:56
